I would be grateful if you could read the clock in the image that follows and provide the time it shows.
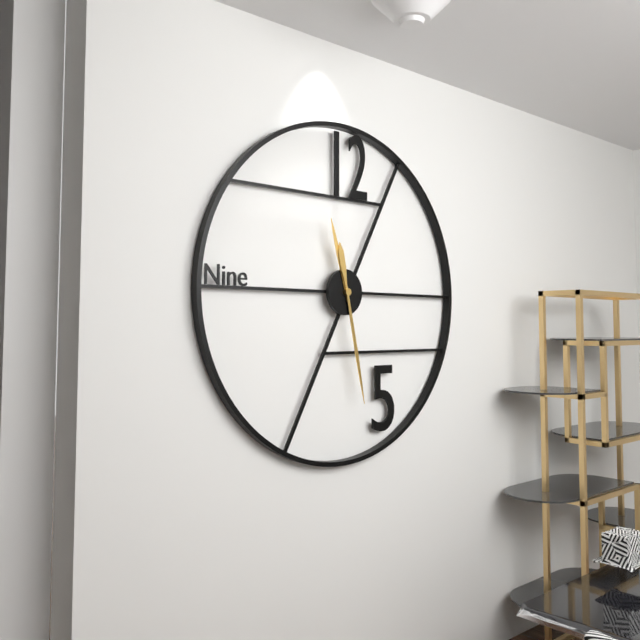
11:28
